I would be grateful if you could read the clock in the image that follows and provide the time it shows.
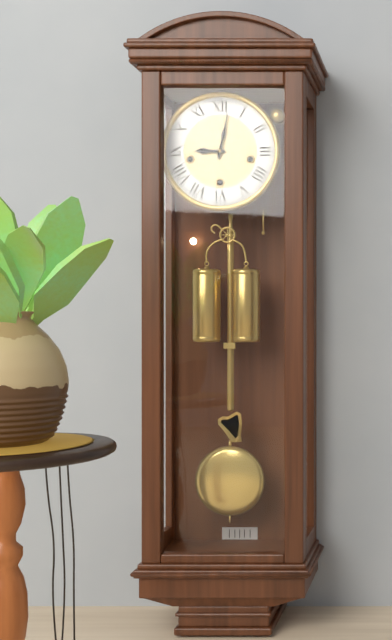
9:02
